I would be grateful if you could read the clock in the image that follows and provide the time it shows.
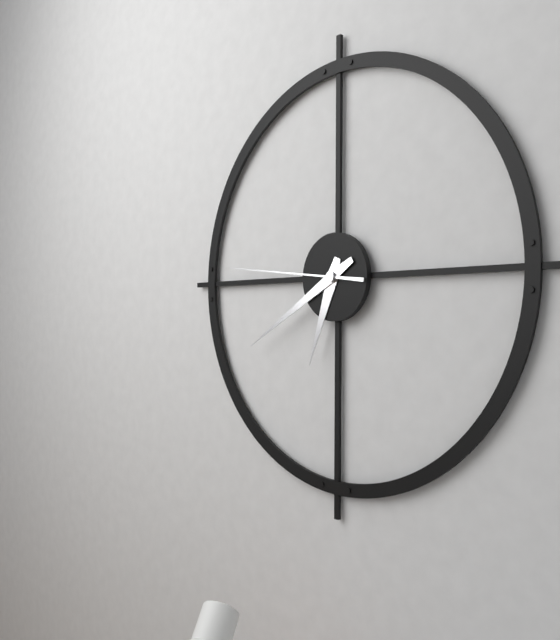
6:40:46
